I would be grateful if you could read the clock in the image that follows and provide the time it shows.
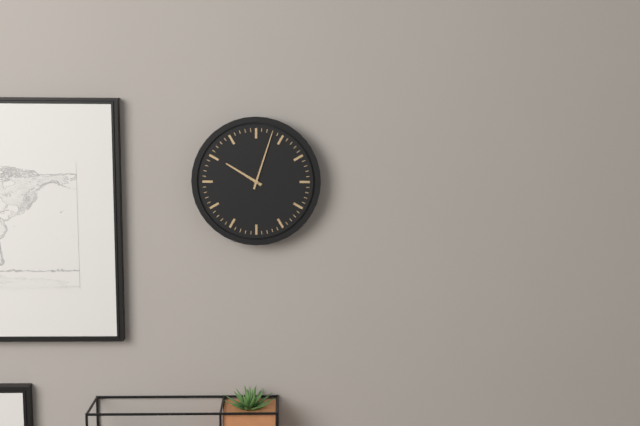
10:03
